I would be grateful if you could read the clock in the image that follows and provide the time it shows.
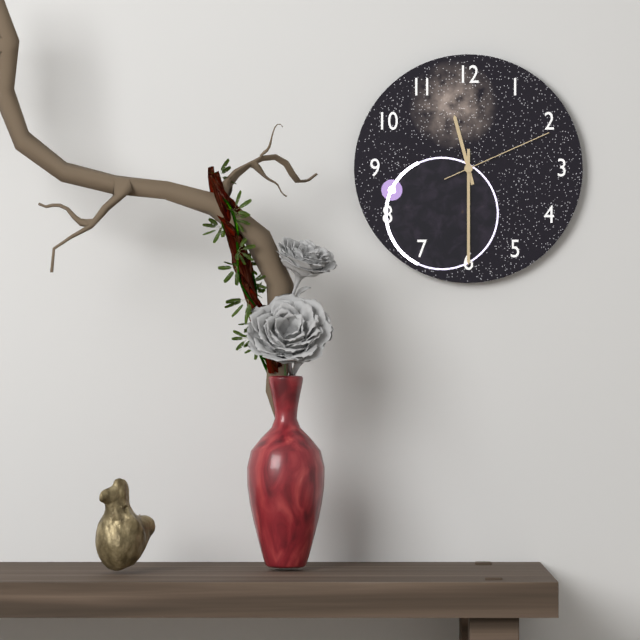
11:30:11
